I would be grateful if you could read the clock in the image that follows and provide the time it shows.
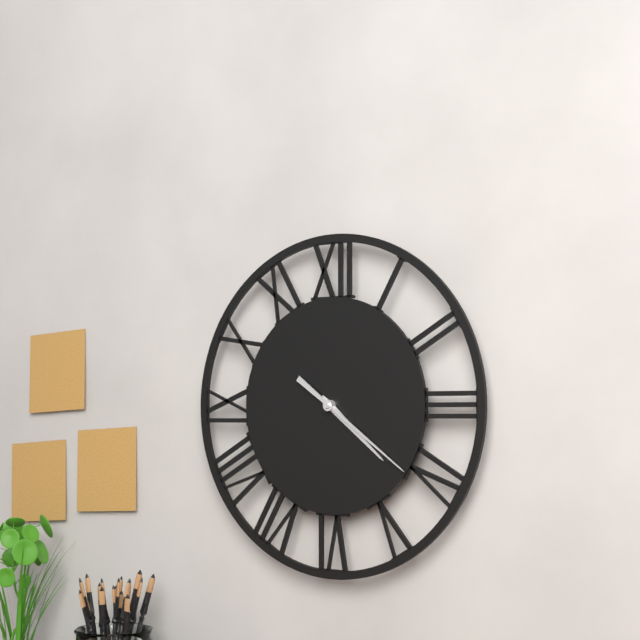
4:21
